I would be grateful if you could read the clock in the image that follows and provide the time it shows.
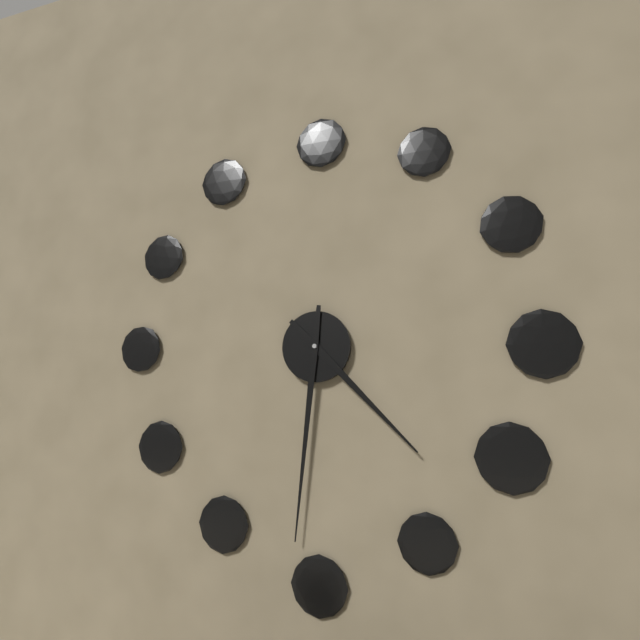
4:31
